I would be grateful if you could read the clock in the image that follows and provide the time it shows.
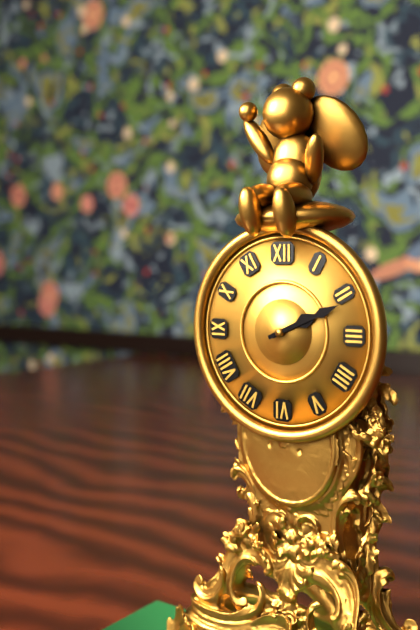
2:11
